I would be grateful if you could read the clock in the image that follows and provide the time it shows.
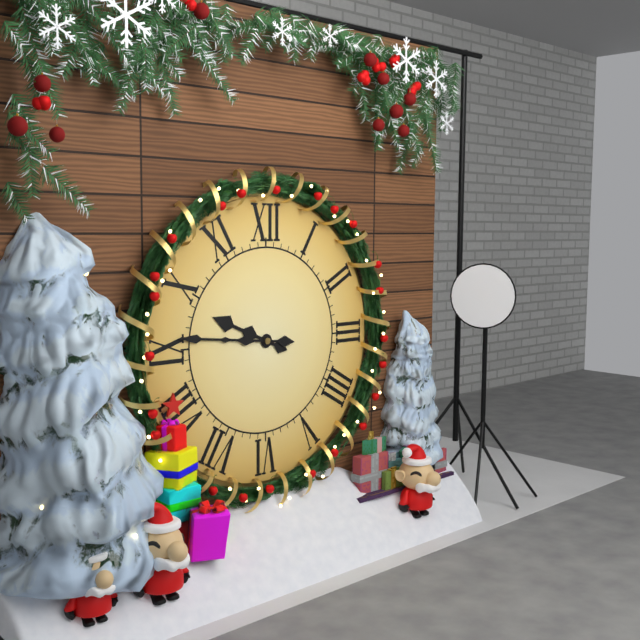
9:46
